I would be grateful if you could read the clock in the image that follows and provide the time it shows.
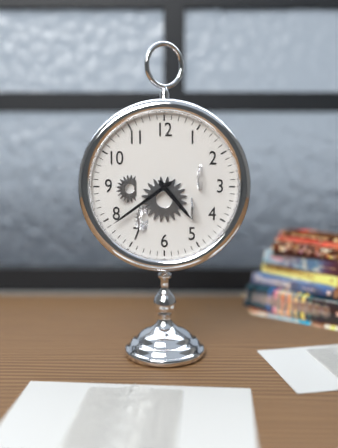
4:39
